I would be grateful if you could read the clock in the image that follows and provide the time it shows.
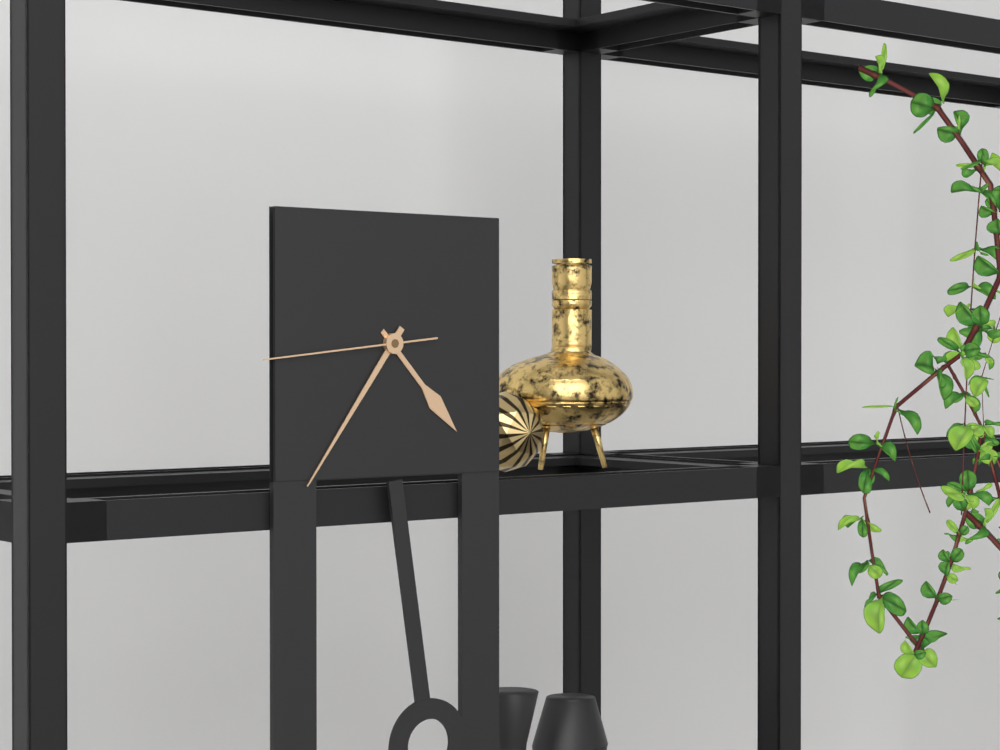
4:36:44
